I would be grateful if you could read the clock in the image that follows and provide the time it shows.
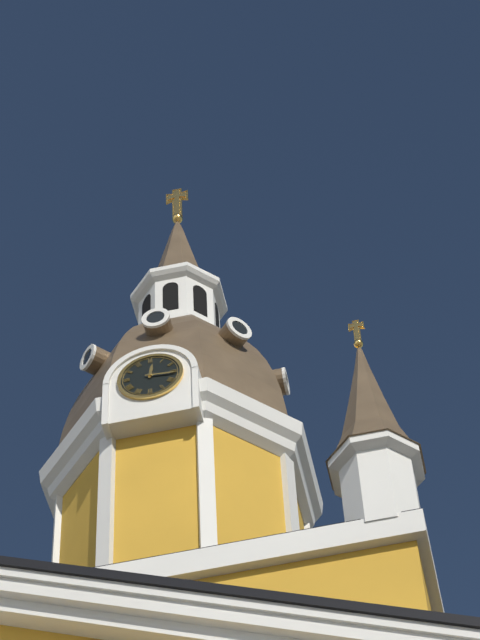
12:16
